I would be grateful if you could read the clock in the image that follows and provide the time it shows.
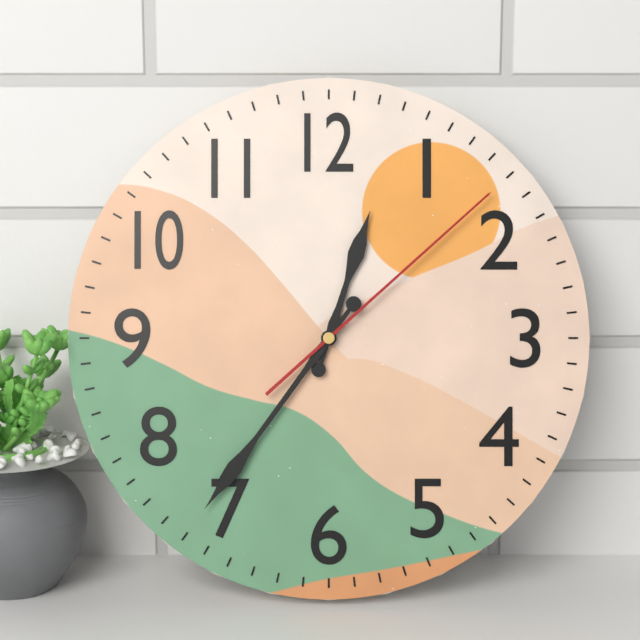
12:36:08
